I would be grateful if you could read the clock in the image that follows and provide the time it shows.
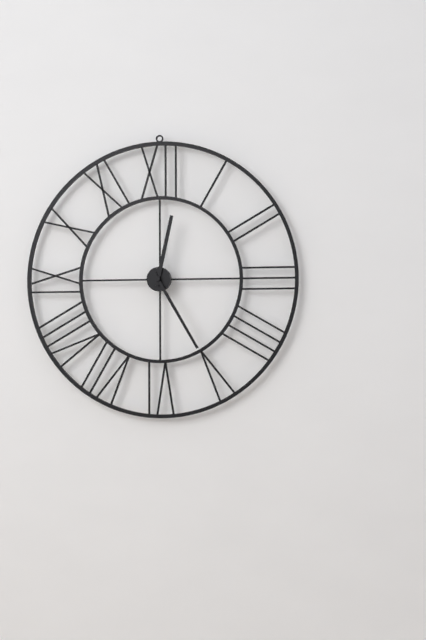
12:25
